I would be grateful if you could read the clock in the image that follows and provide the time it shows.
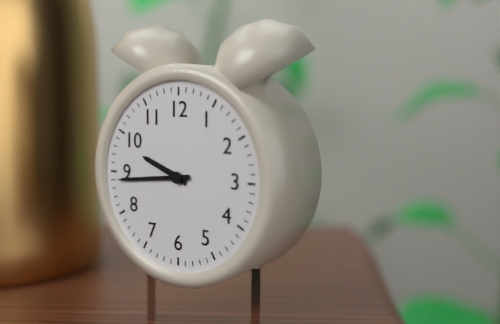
9:44
